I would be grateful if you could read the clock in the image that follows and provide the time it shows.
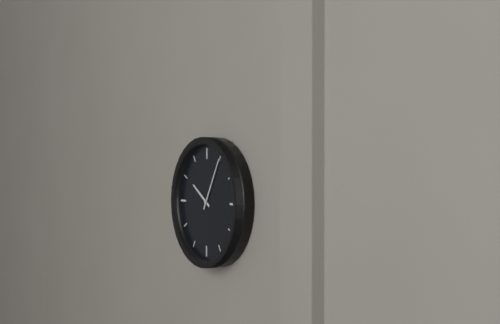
10:05
